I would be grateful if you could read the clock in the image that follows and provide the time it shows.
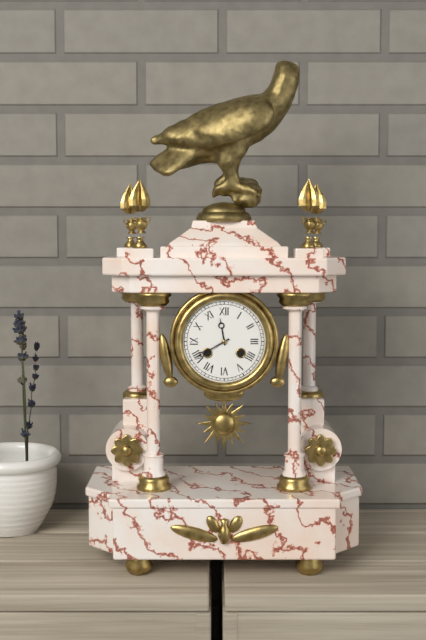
11:40
